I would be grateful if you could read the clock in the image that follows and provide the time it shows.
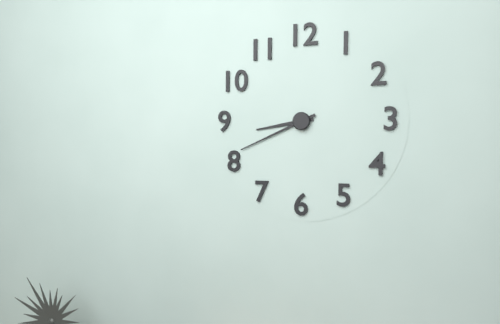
8:41
